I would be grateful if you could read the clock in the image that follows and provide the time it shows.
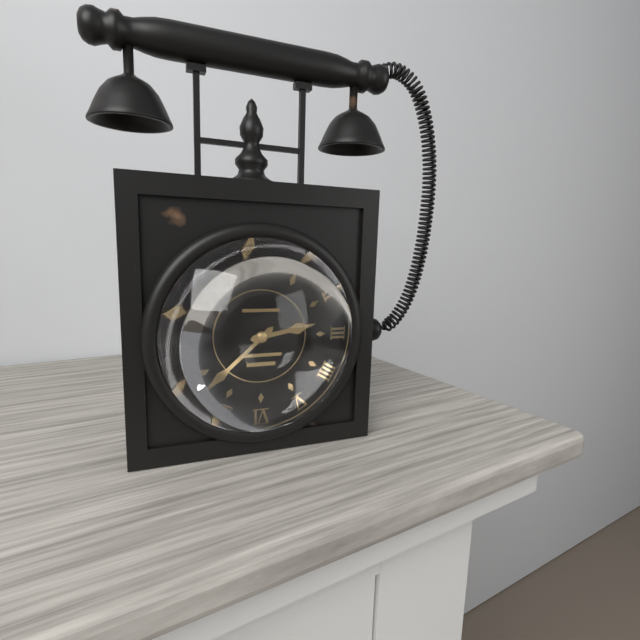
2:38
